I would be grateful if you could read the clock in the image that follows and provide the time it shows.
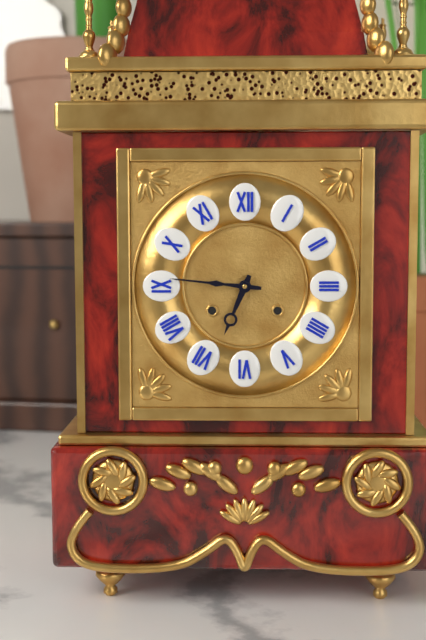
6:46
